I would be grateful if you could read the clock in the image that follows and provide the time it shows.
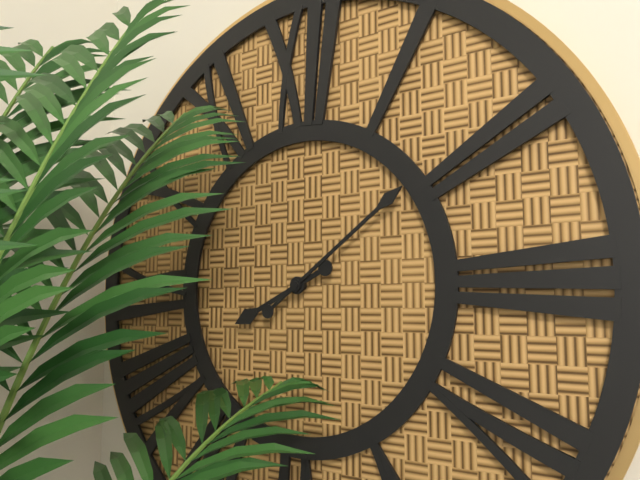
8:09
